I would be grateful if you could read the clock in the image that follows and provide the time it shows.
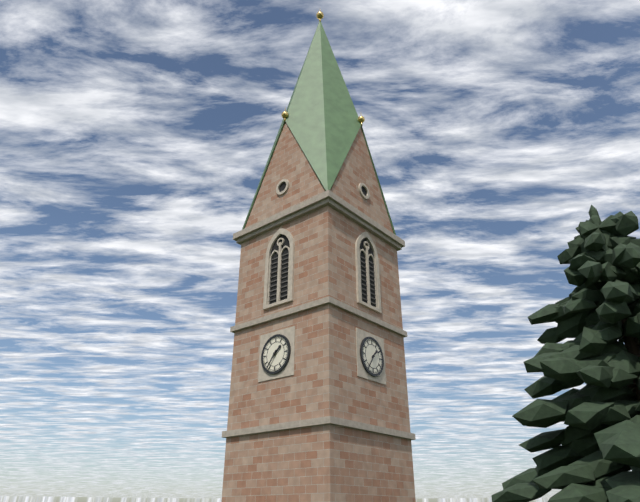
1:36
